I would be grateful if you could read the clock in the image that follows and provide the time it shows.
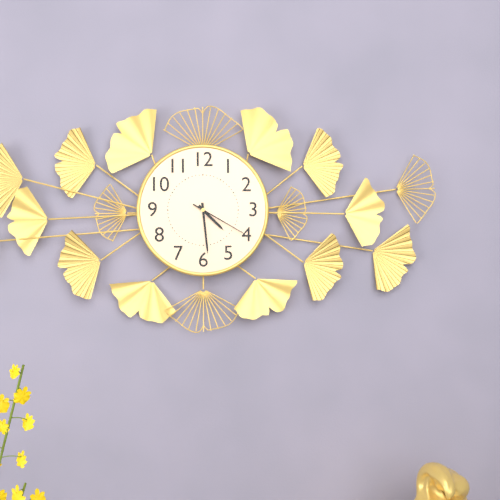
4:29:20
